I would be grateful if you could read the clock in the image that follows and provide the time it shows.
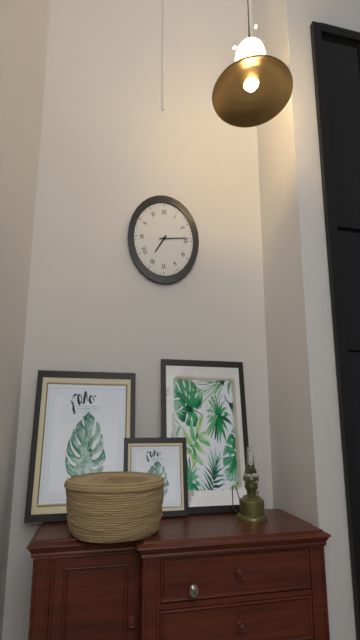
7:14
